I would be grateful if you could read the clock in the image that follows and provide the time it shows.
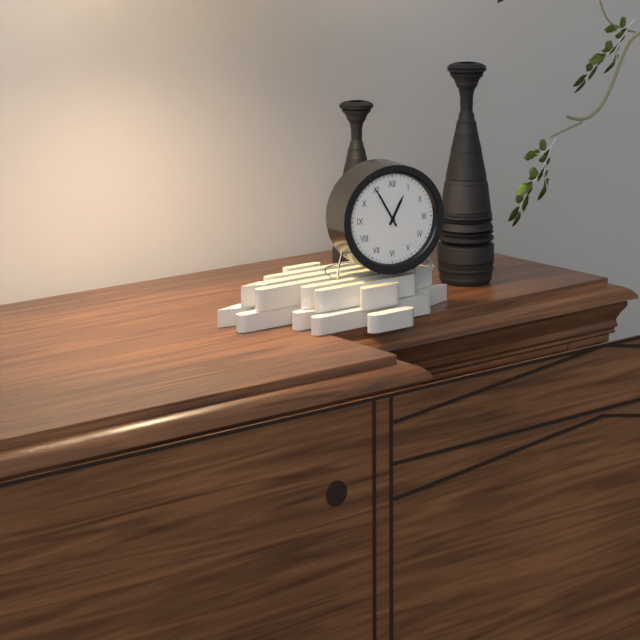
12:55
